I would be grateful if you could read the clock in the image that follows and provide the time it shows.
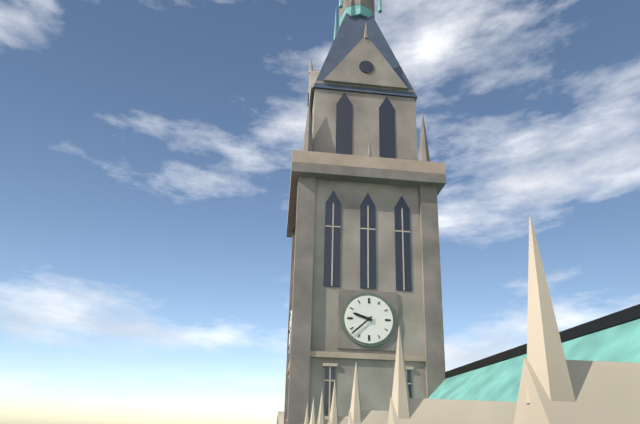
9:38
